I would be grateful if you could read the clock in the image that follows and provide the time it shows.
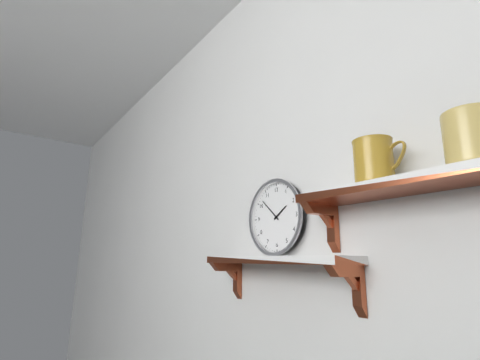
1:52
